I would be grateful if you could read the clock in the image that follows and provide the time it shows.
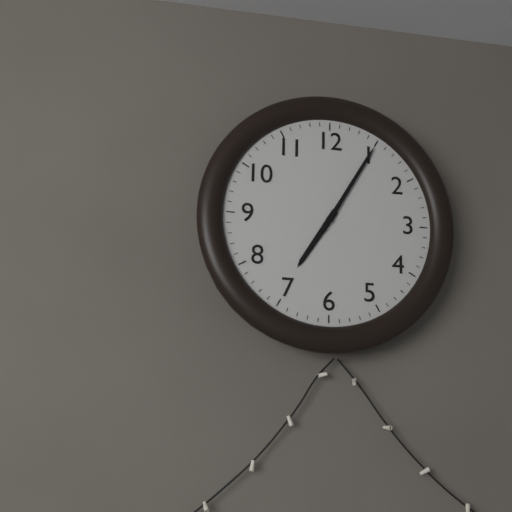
7:05
